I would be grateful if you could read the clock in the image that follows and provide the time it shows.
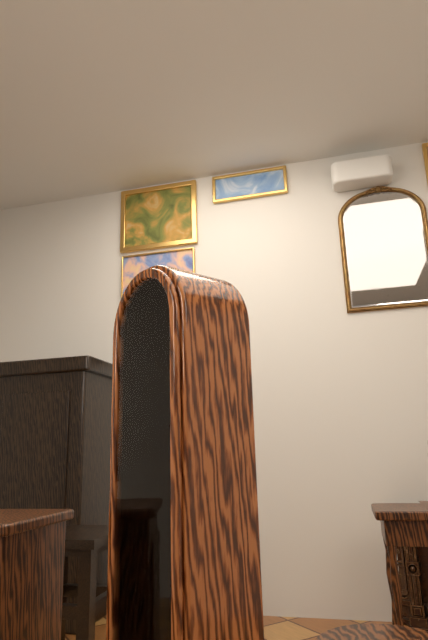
3:28
